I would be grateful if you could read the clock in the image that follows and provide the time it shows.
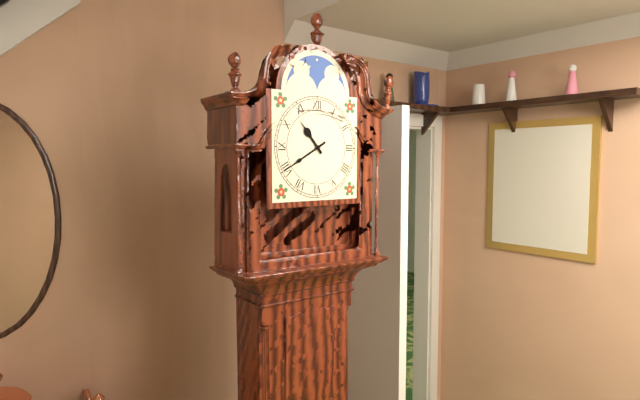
10:40
